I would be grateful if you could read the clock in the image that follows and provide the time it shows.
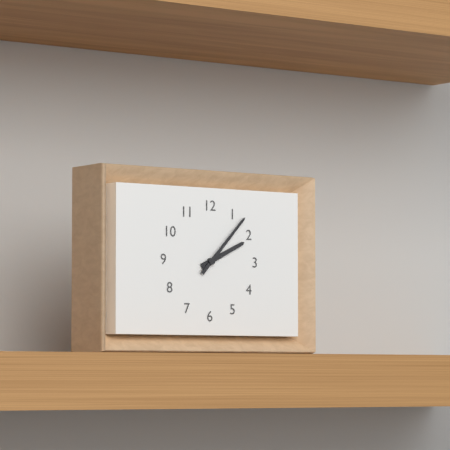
2:07
